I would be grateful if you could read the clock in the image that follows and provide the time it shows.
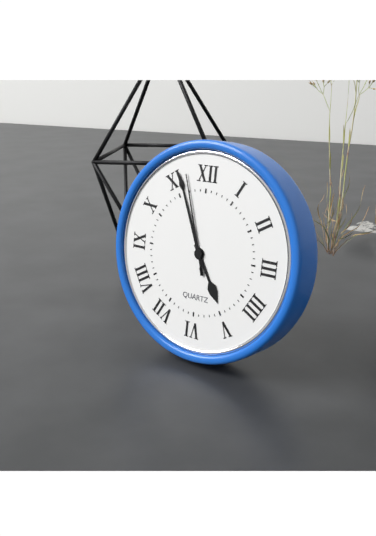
4:56:57
